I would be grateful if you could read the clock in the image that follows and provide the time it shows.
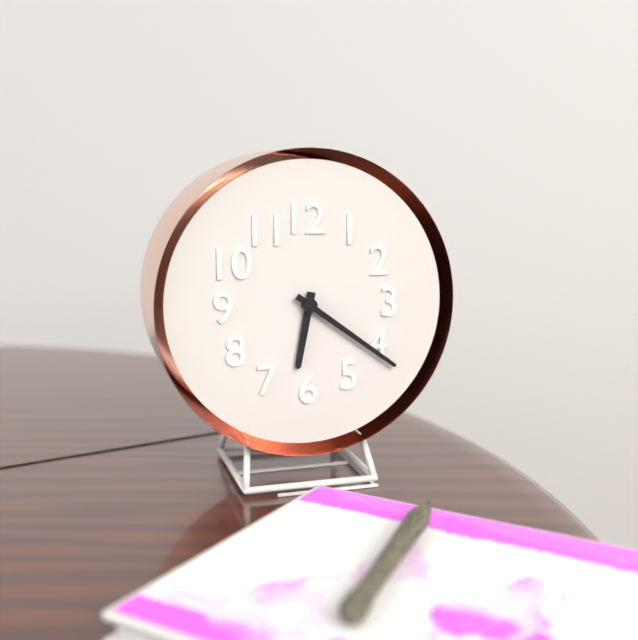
6:21
